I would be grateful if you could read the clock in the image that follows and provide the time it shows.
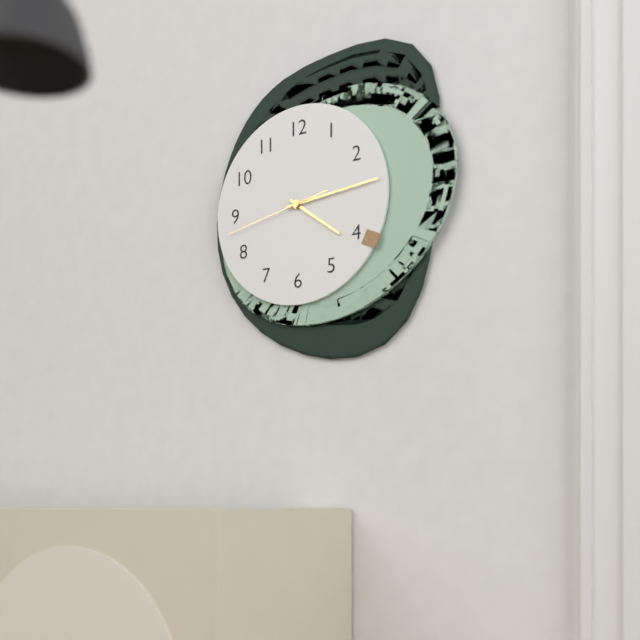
4:14:43
